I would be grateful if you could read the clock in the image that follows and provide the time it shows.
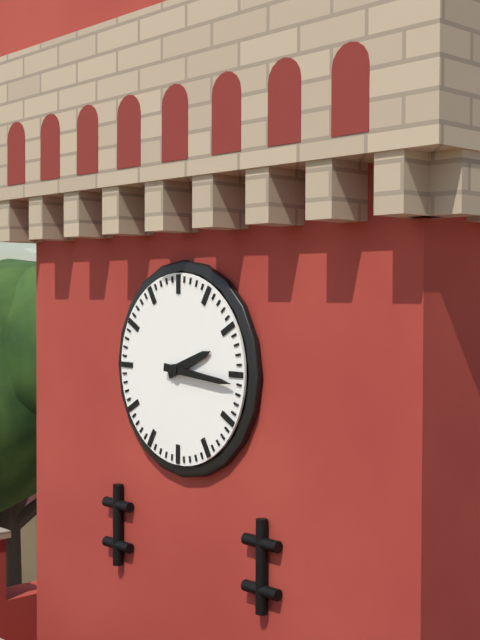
2:16
